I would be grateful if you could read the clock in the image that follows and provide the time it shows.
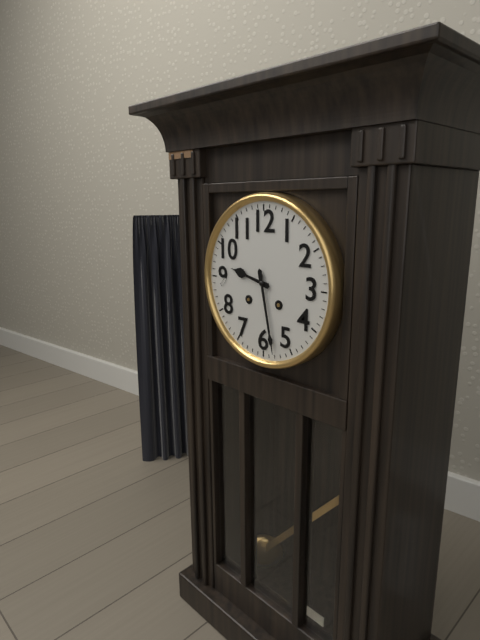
9:28
